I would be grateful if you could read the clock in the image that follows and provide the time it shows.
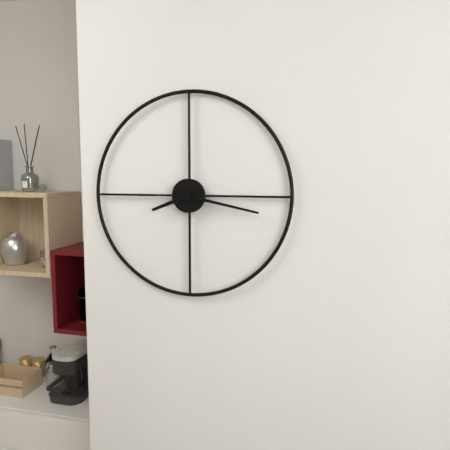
8:17
